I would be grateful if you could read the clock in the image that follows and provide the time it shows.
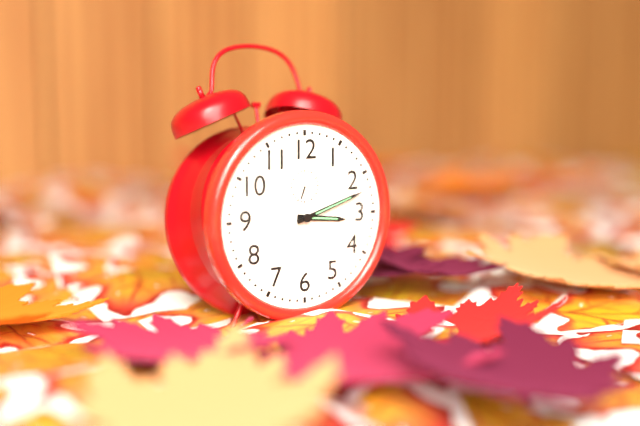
3:12
